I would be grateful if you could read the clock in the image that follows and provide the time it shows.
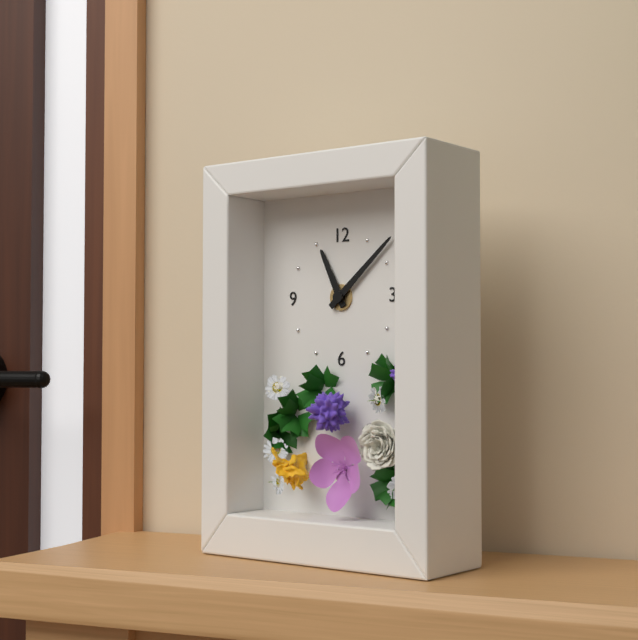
11:08
